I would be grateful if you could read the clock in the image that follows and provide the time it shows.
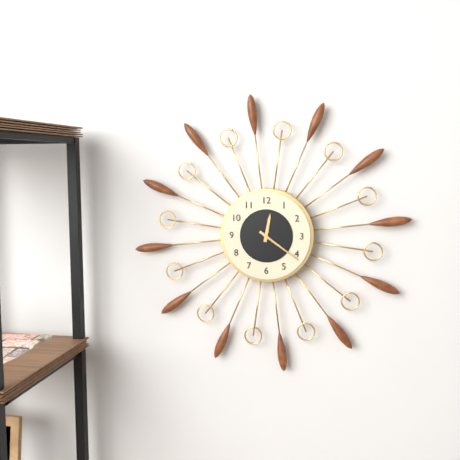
12:21
